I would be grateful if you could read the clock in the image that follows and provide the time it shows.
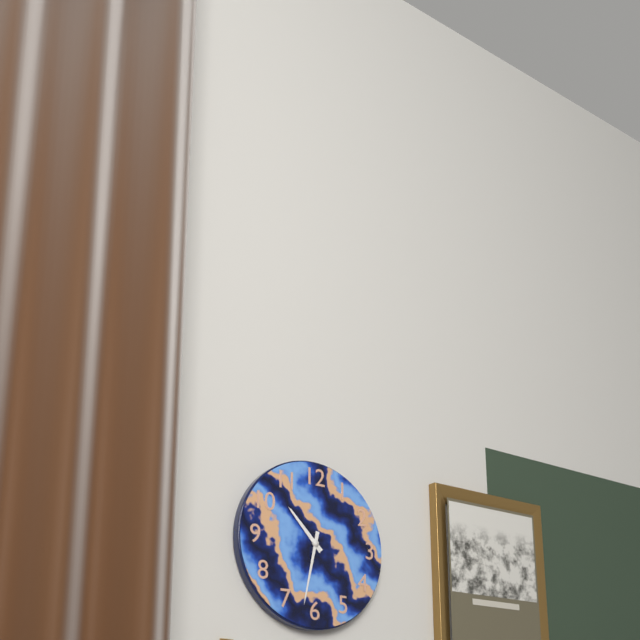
10:32
